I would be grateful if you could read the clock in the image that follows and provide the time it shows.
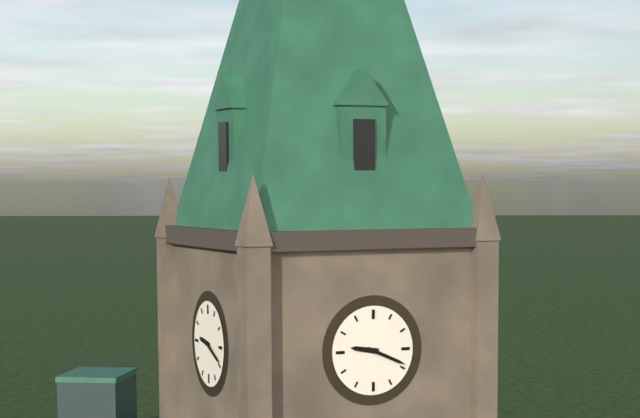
9:19
